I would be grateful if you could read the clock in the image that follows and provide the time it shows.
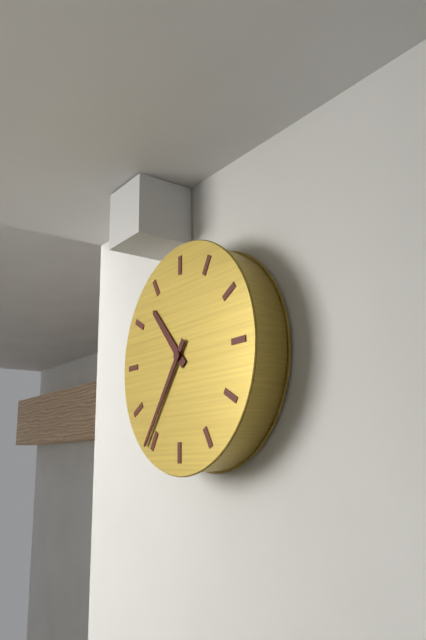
10:36
